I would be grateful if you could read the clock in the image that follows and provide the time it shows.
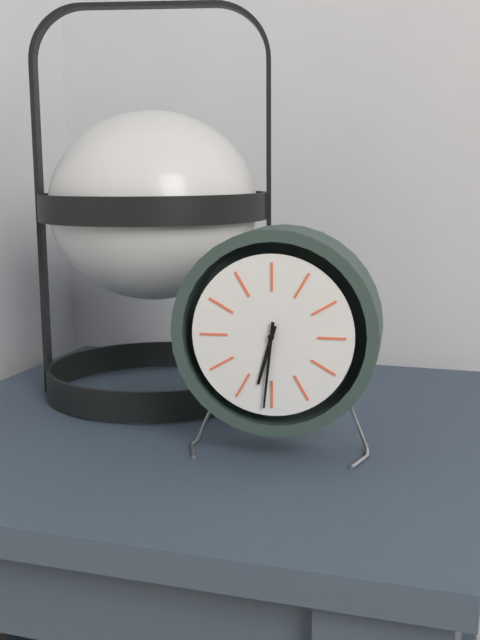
6:31
